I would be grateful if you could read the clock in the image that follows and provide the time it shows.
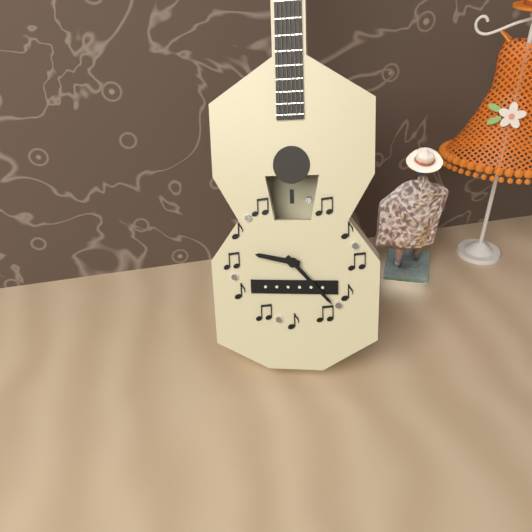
9:23
